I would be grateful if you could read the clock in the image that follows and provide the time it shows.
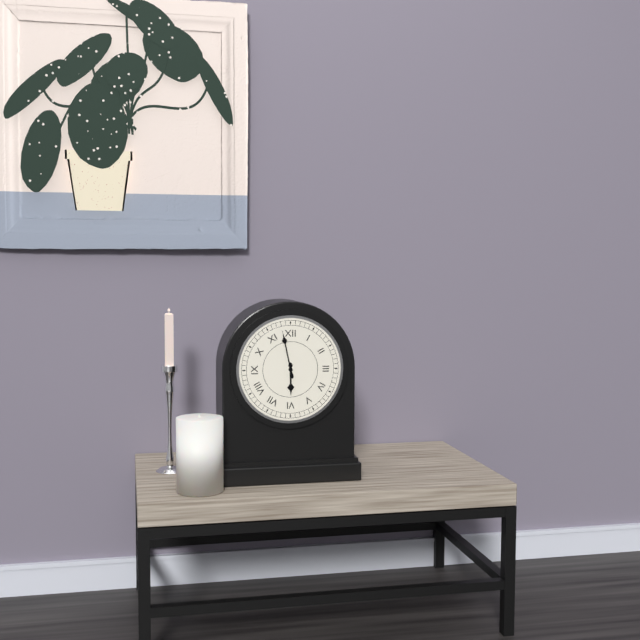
5:58
